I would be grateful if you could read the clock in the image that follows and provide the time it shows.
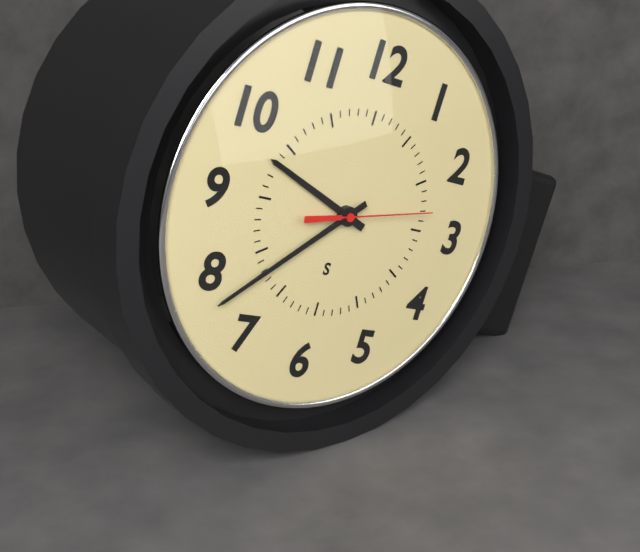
9:38:13
